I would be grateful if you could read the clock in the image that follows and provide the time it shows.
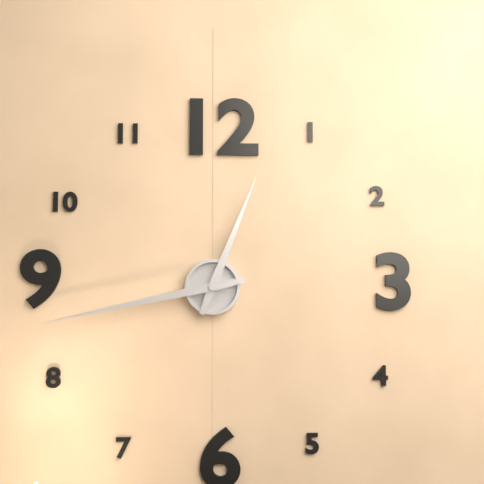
12:43
